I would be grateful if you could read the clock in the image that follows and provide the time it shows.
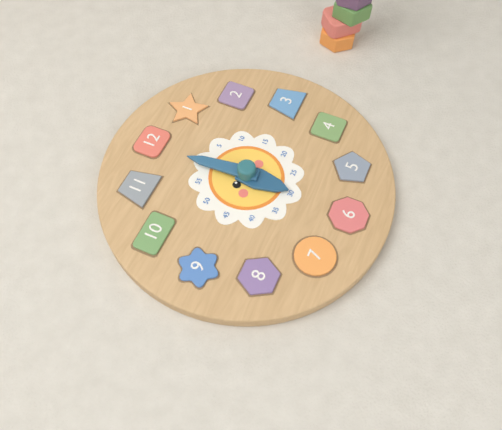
5:59
